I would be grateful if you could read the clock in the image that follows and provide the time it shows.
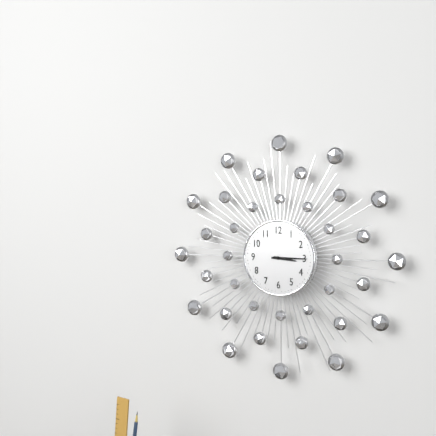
3:15
